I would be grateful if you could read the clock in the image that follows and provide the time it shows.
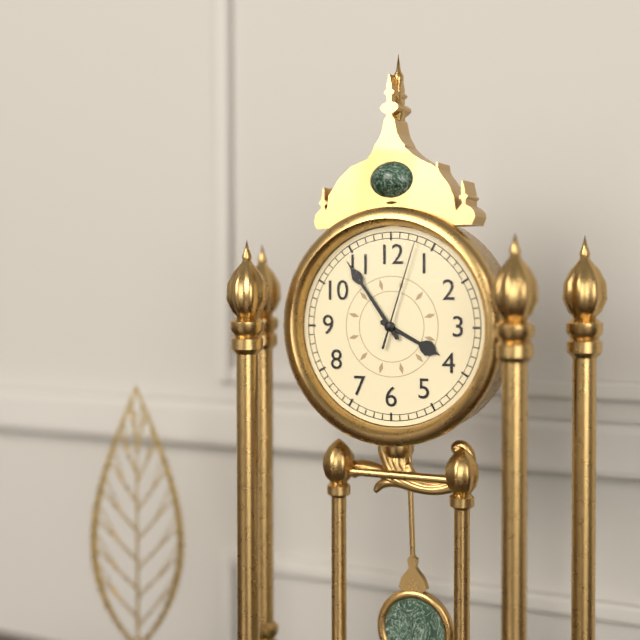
3:54:03
